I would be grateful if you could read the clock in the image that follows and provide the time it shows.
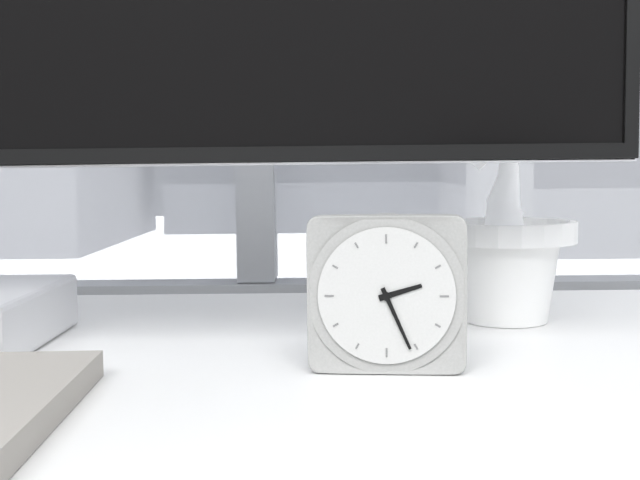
2:26
